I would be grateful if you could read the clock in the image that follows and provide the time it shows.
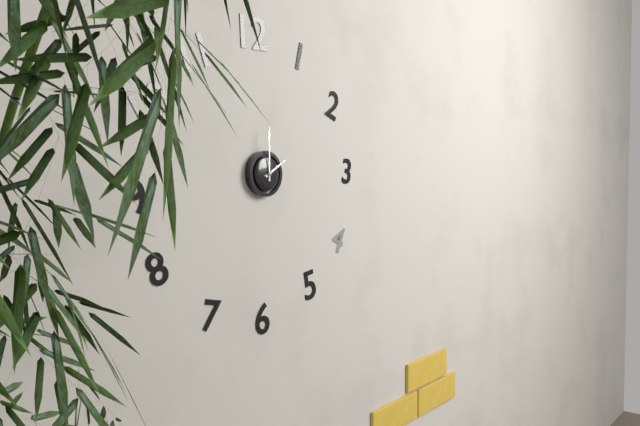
2:00
